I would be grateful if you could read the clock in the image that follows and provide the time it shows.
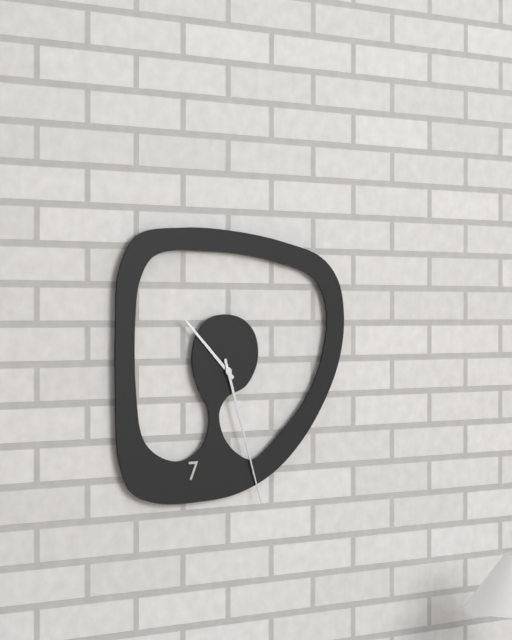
10:27
